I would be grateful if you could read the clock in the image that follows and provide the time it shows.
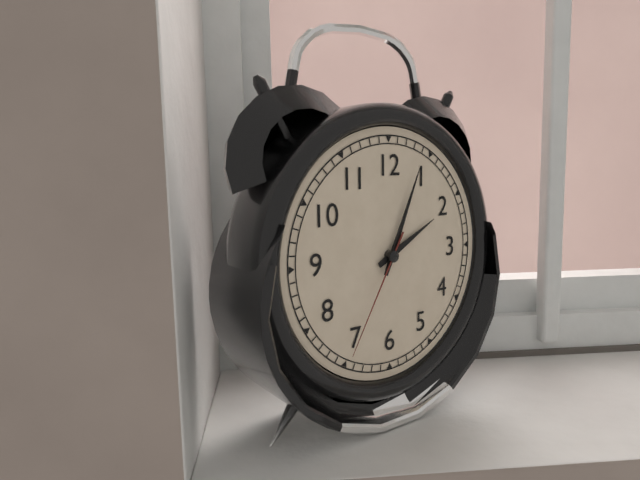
2:04:35
